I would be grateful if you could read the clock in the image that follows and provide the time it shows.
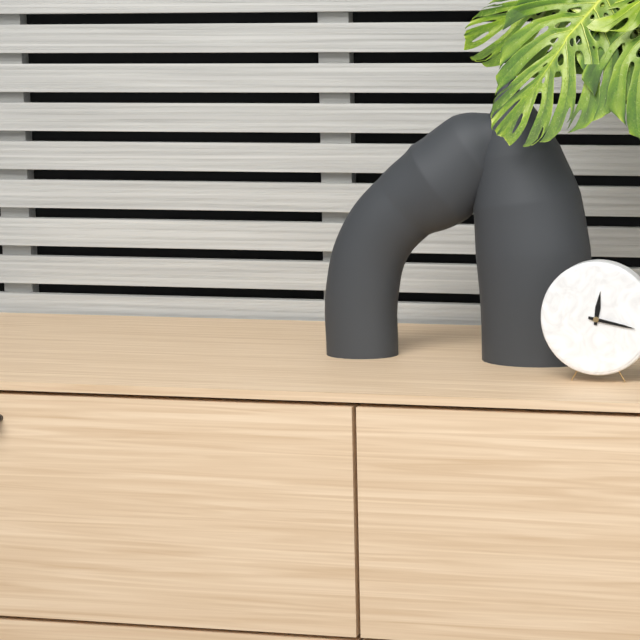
12:17
